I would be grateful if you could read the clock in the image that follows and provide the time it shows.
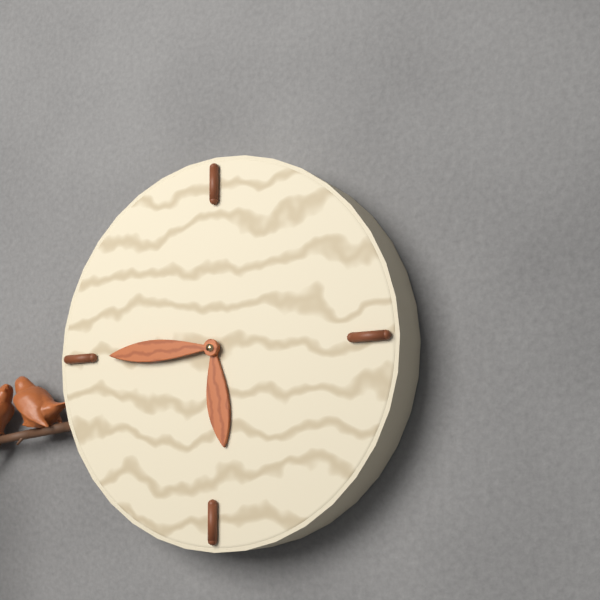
5:45
